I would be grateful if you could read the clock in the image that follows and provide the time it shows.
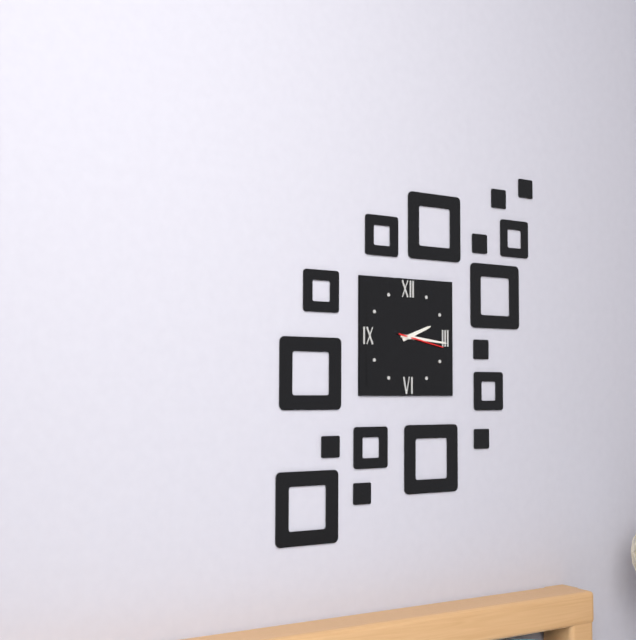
2:16
